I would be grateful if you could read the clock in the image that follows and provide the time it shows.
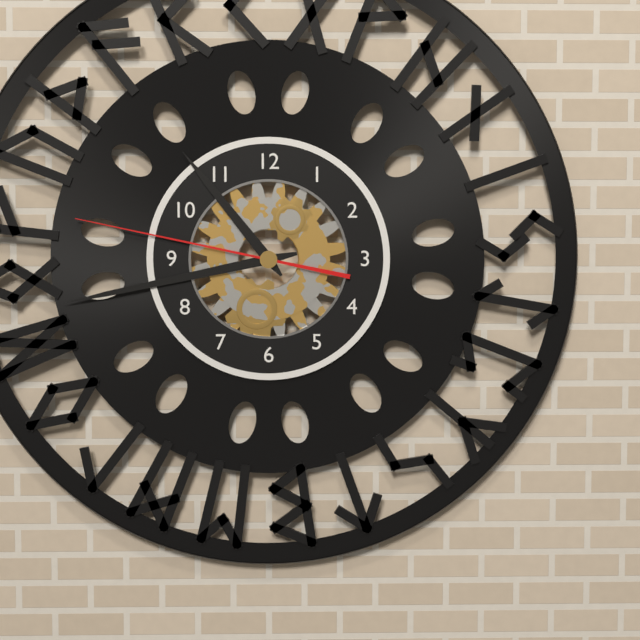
10:43:47
